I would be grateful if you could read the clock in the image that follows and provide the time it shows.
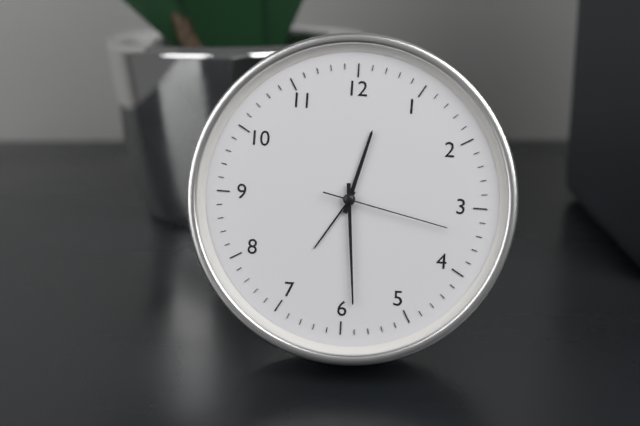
12:29:17
